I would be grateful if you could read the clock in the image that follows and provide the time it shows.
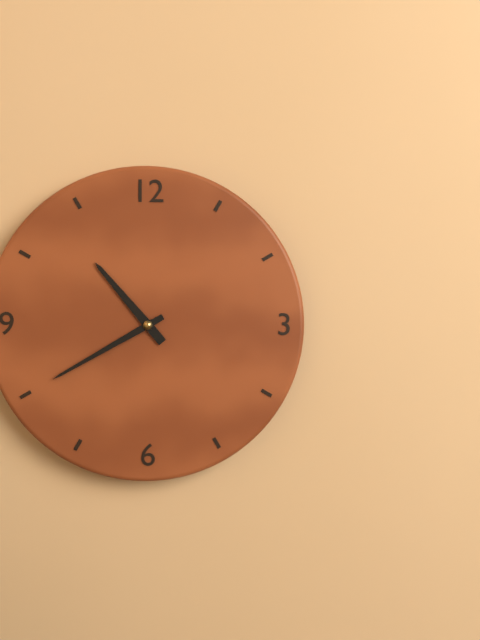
10:40
